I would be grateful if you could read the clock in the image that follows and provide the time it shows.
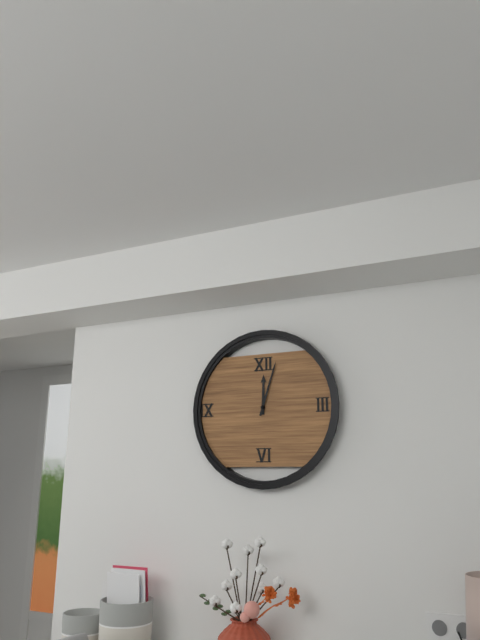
12:03
